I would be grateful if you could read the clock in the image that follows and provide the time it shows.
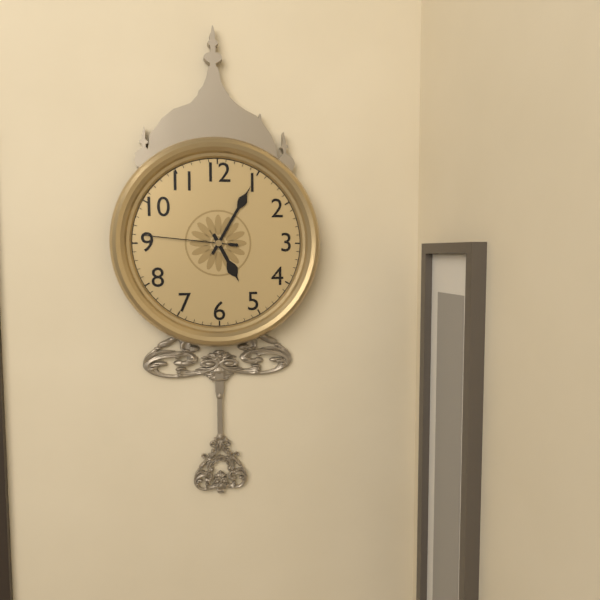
5:05:46
